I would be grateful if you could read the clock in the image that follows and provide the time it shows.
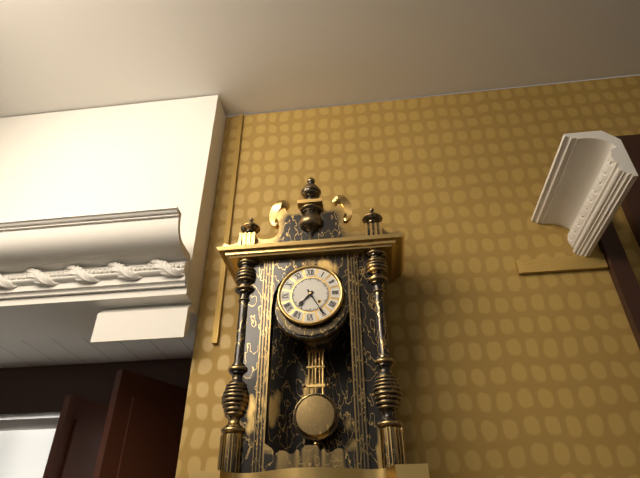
7:25
